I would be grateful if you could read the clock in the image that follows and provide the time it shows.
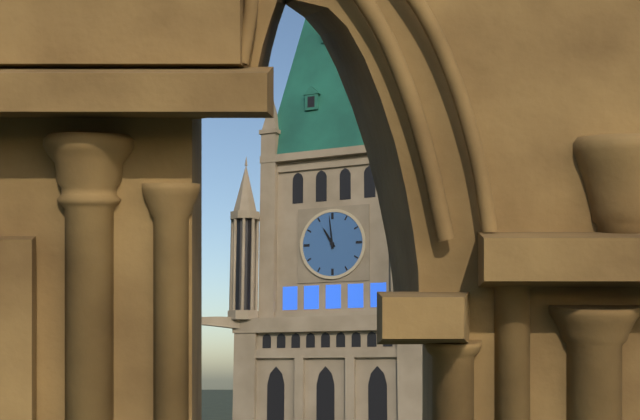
10:59
